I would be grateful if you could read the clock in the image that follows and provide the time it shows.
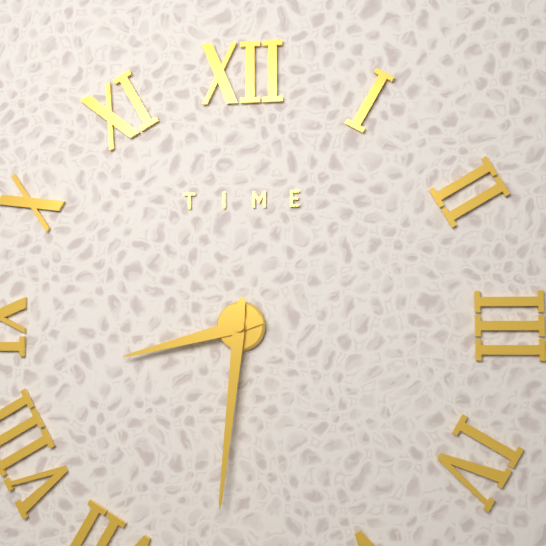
8:31
